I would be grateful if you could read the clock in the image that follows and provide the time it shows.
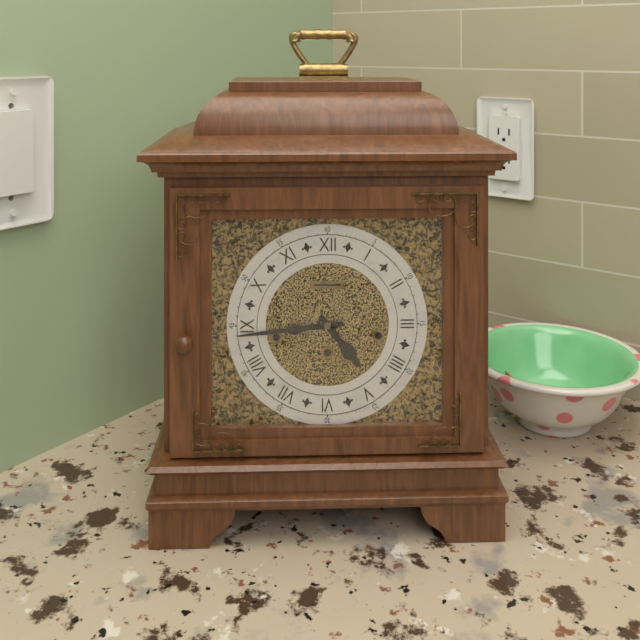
4:44
